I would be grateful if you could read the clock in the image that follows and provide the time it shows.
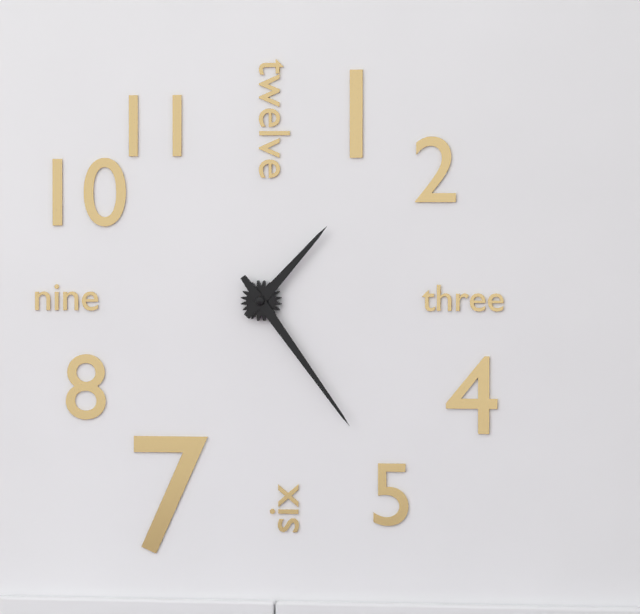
1:24
